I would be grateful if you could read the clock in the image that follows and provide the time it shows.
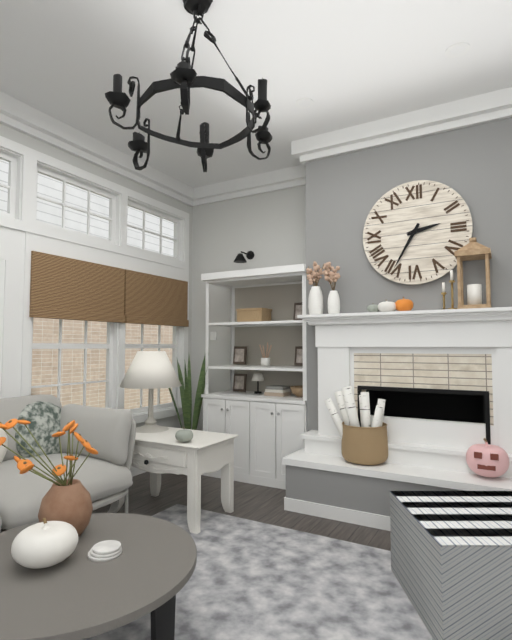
2:35
